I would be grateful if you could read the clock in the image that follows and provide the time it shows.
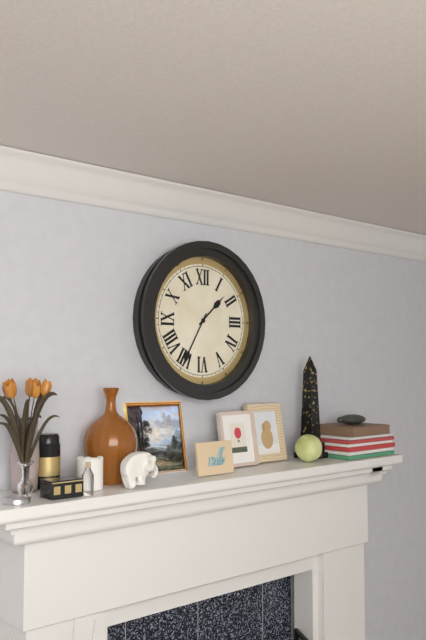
1:35
